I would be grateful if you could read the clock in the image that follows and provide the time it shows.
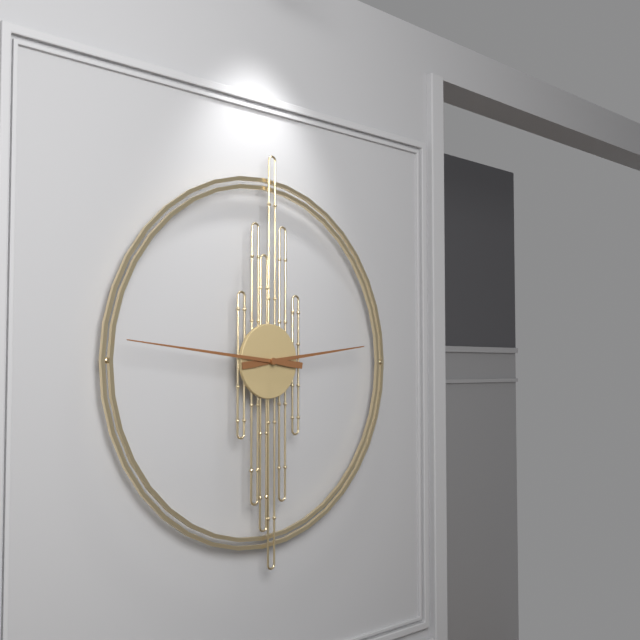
2:46
